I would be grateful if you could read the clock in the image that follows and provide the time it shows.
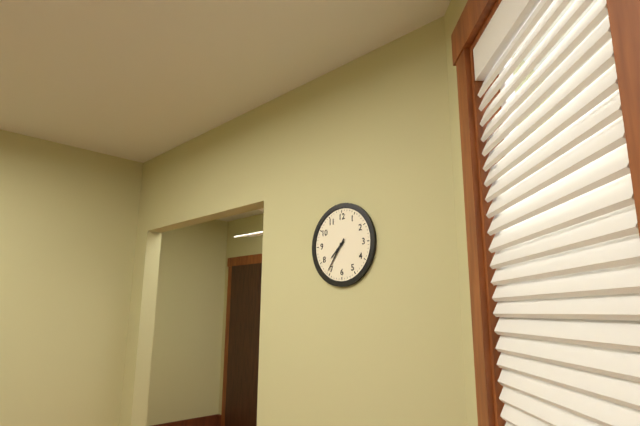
7:36
